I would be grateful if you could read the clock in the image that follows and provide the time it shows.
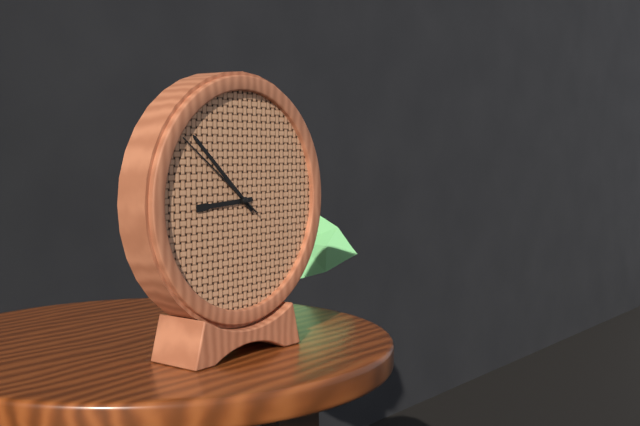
8:52:51
